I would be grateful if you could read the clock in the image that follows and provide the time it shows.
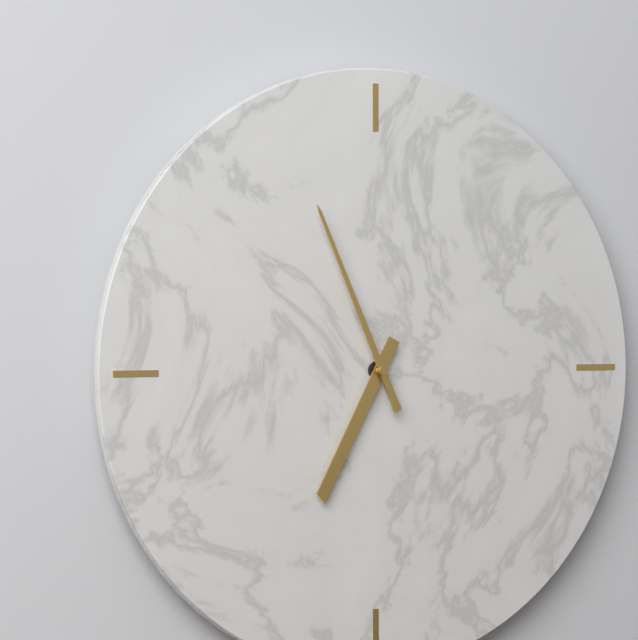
6:56
